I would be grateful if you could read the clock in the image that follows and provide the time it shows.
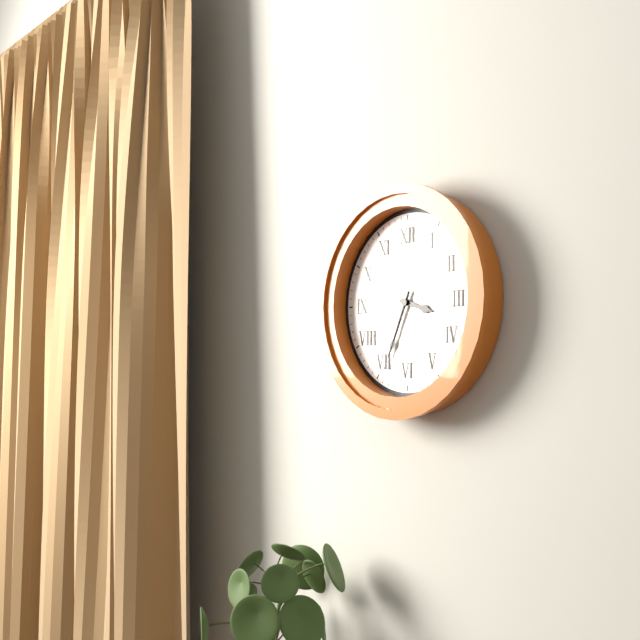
3:34:34
